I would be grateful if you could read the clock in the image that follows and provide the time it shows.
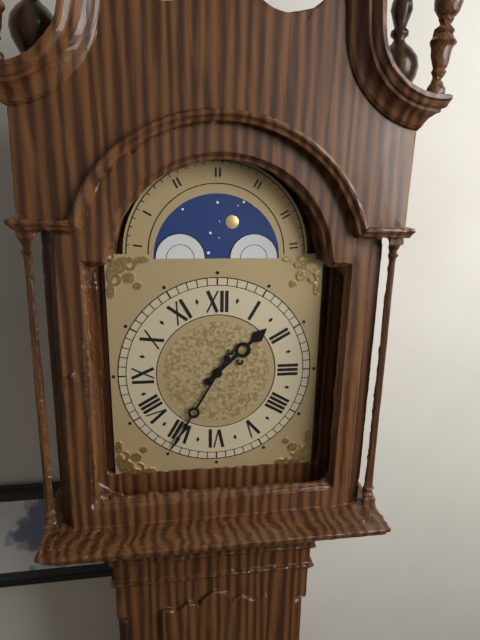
1:35
